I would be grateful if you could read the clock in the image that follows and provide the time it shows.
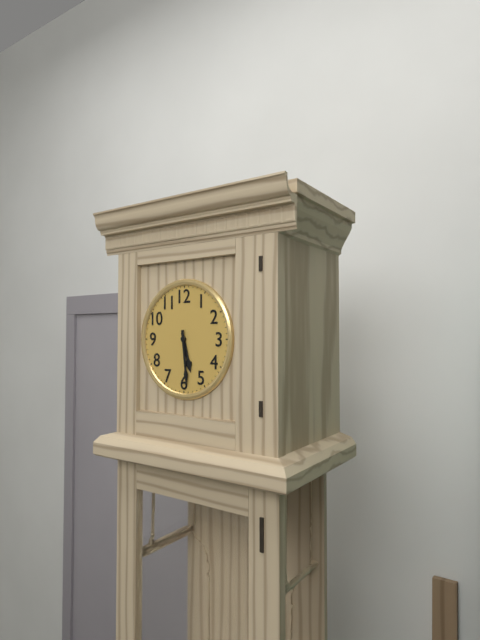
5:29
